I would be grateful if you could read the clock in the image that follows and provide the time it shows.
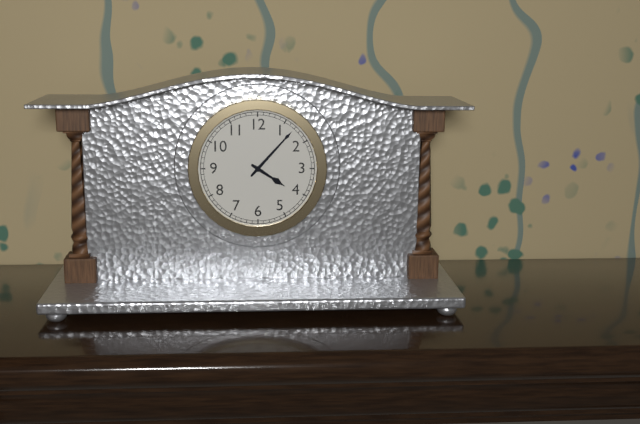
4:07
